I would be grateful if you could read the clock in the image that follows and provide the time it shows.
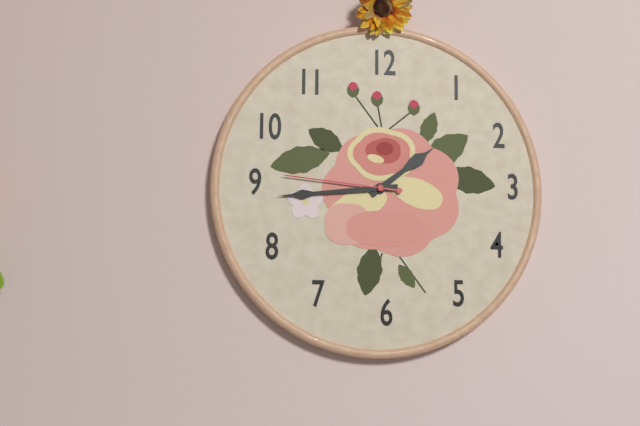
1:44:46
